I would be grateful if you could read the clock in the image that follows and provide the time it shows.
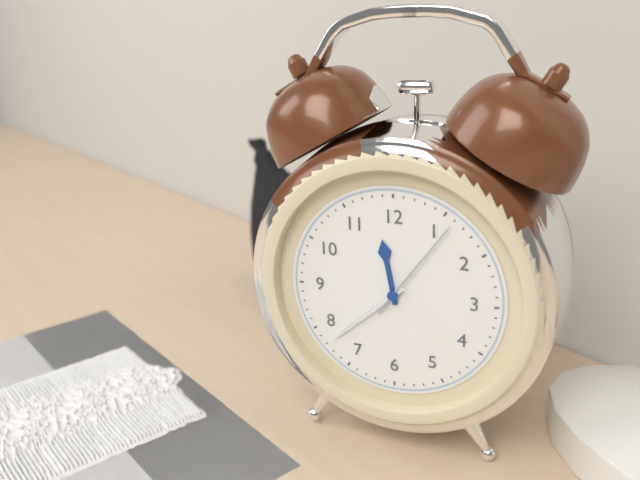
11:38:06
